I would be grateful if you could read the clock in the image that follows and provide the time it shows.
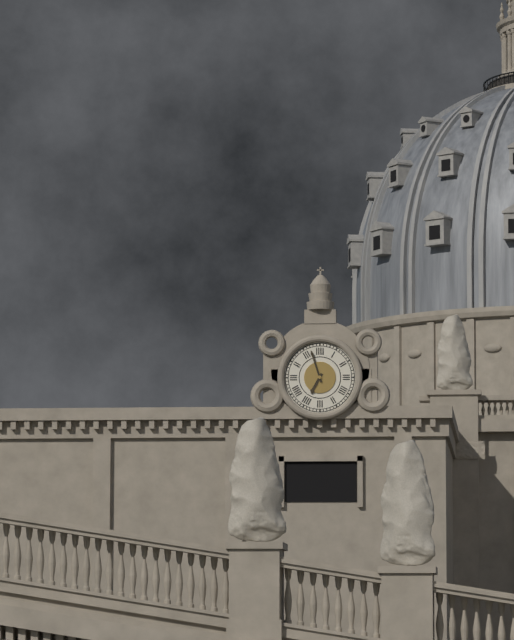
6:57
